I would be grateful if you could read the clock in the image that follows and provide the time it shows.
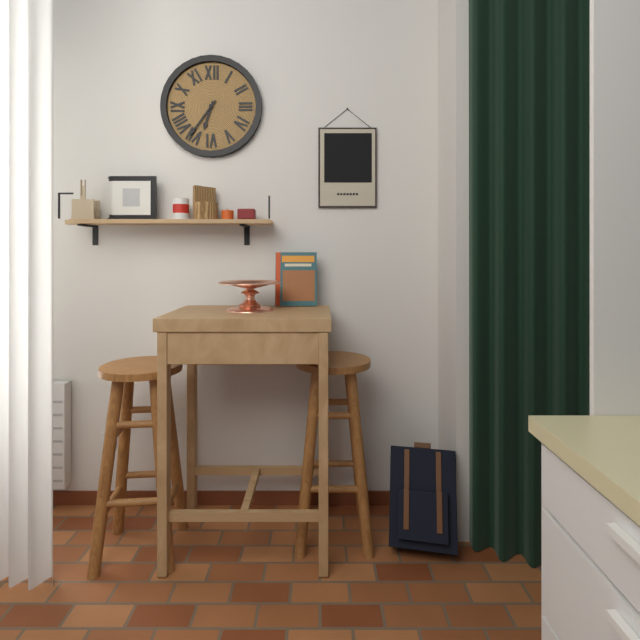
6:36
